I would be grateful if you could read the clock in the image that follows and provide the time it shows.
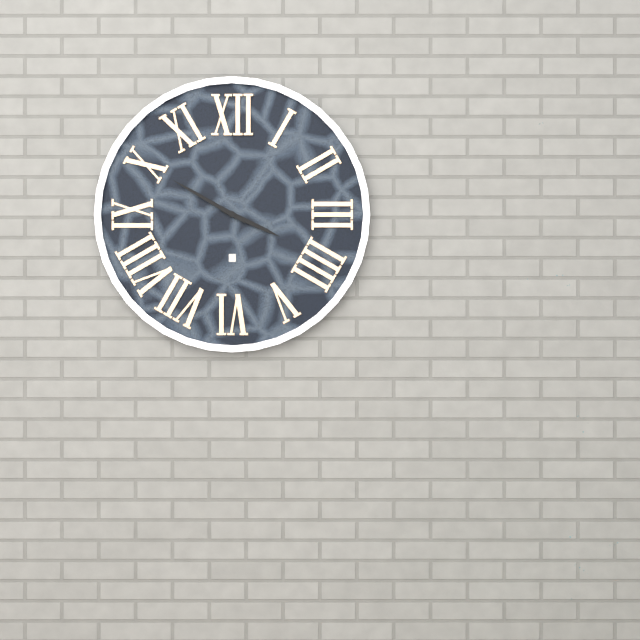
3:50
